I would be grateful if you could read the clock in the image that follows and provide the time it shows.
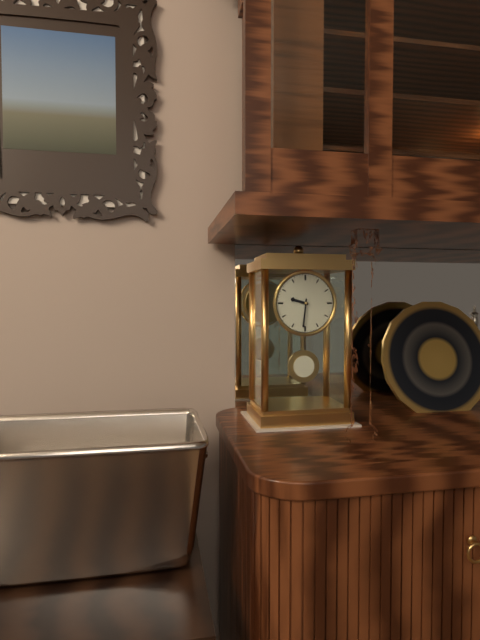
9:31
